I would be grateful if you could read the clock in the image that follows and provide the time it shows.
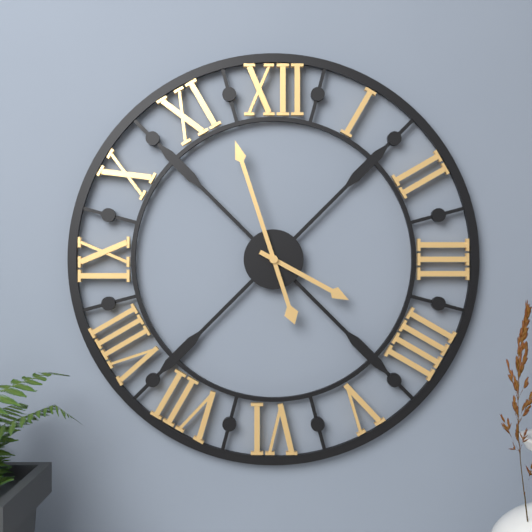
3:57
